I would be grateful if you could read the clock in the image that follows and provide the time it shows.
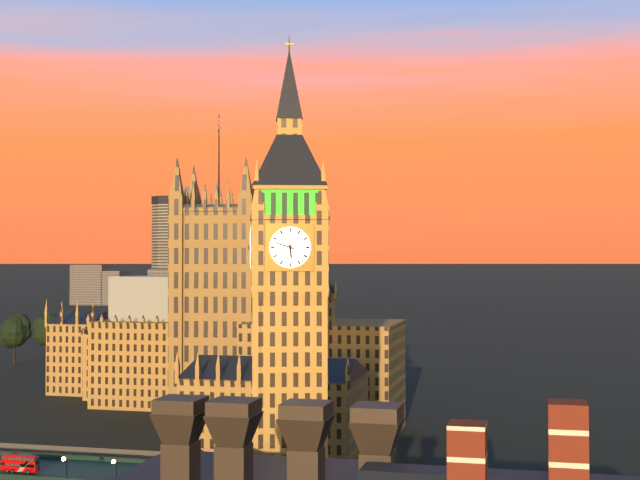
5:48
